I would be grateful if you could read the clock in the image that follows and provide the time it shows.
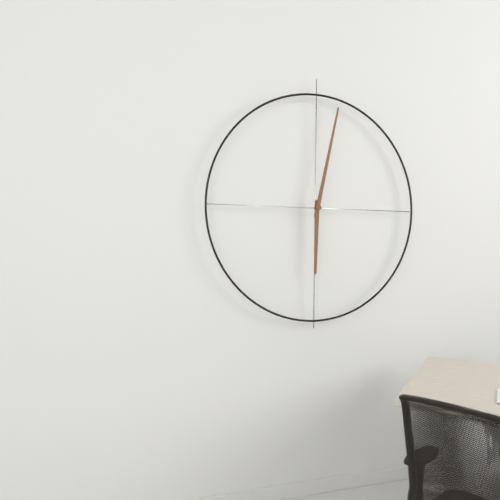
6:02
